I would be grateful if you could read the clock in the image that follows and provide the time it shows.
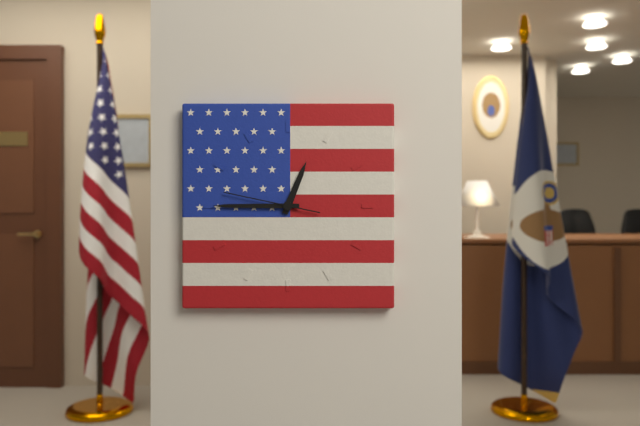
12:45:47
